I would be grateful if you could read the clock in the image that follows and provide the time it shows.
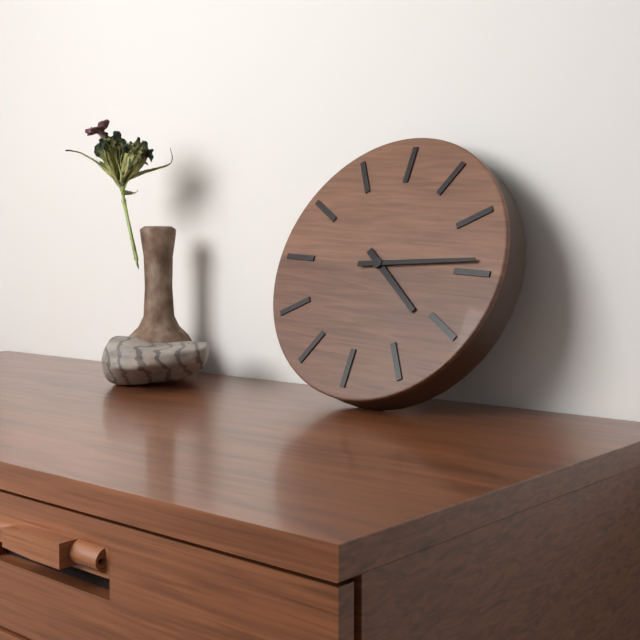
4:14
